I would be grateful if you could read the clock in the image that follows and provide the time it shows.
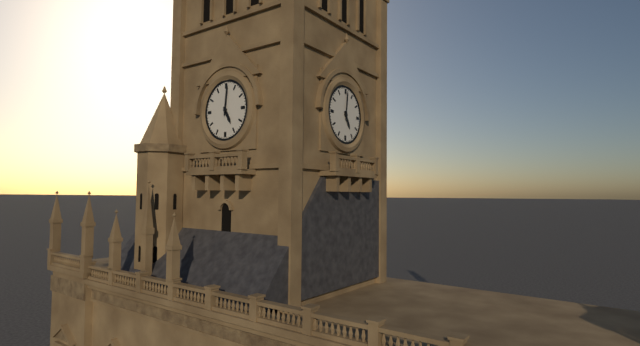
5:01
